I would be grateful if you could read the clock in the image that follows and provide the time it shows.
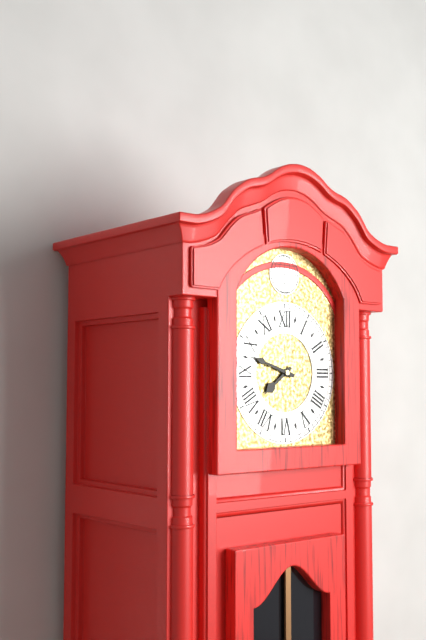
7:48
